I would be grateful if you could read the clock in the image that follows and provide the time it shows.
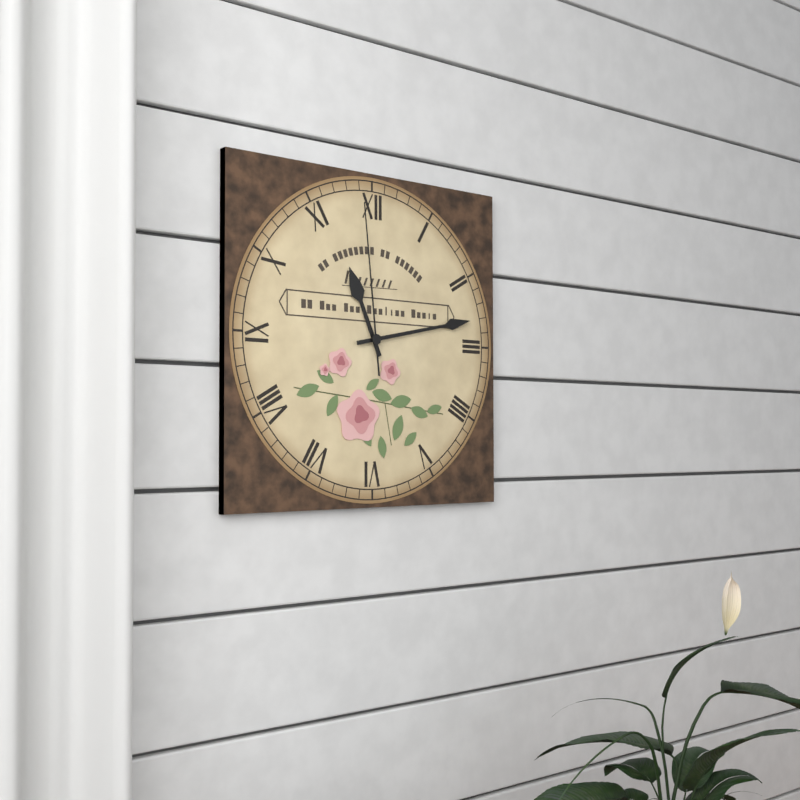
11:13:59
